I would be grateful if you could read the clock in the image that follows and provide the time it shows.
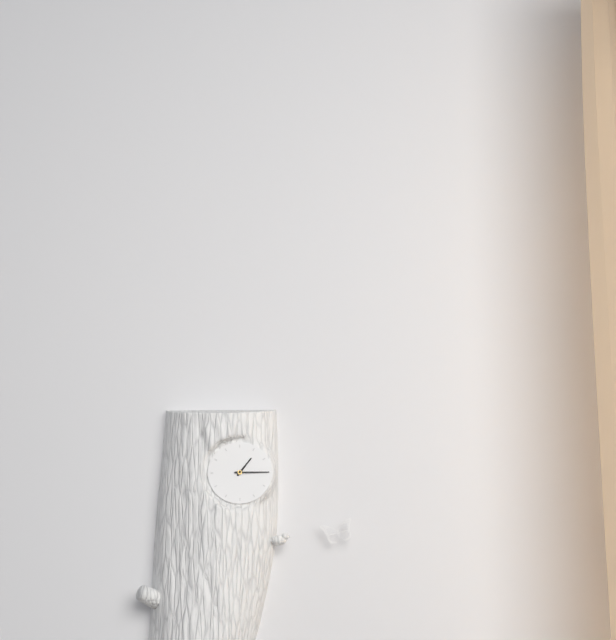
1:15
